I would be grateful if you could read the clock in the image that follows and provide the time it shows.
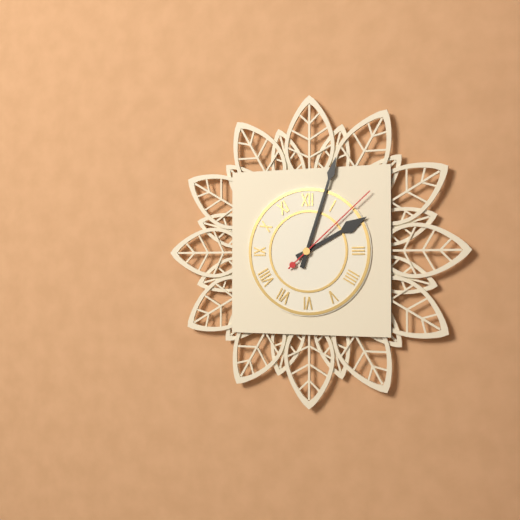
2:03:08
